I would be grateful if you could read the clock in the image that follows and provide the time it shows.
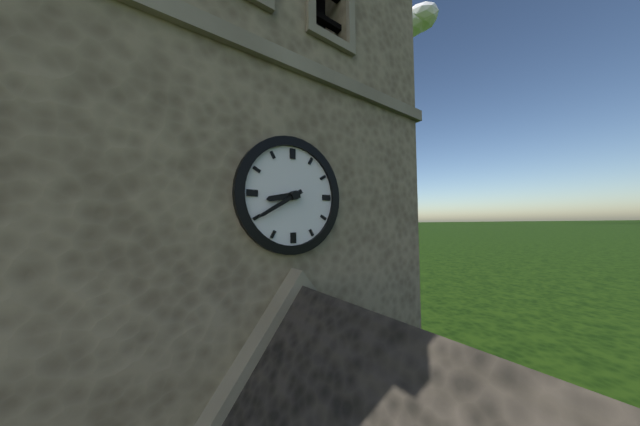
8:40
